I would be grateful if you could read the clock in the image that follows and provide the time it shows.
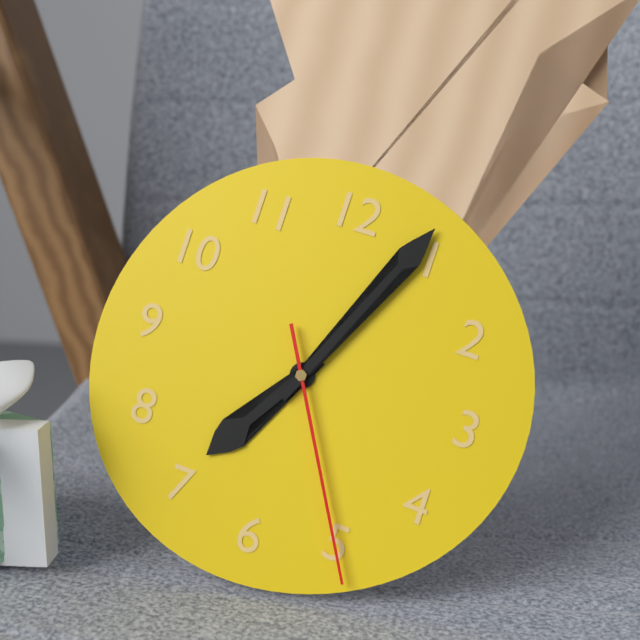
7:04:25
